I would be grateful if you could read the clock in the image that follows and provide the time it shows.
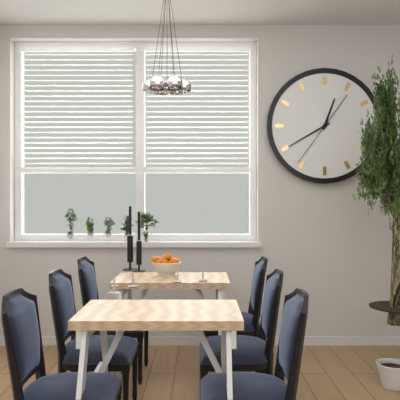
12:40:36
